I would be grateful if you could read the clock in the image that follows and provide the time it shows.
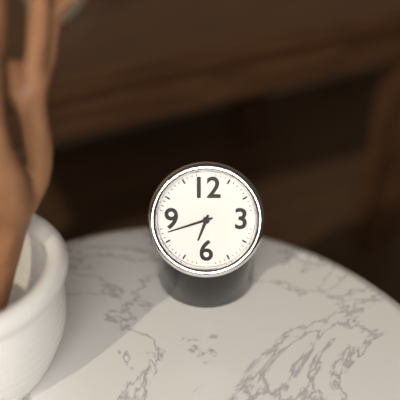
6:42
